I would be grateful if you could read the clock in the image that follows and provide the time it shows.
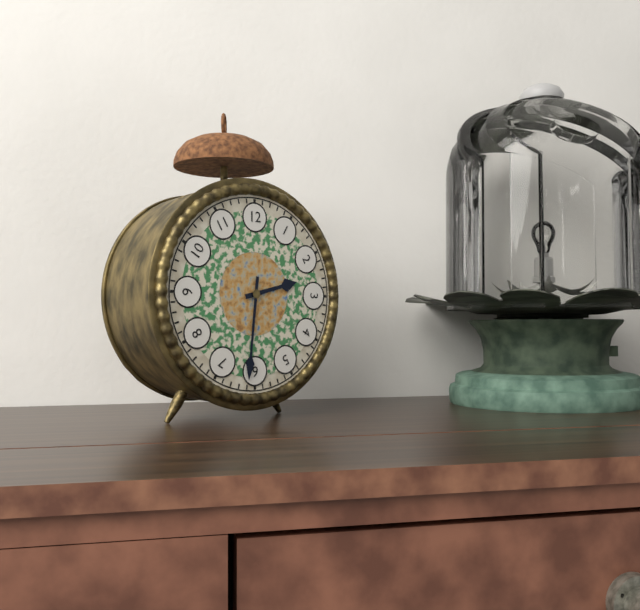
2:31
